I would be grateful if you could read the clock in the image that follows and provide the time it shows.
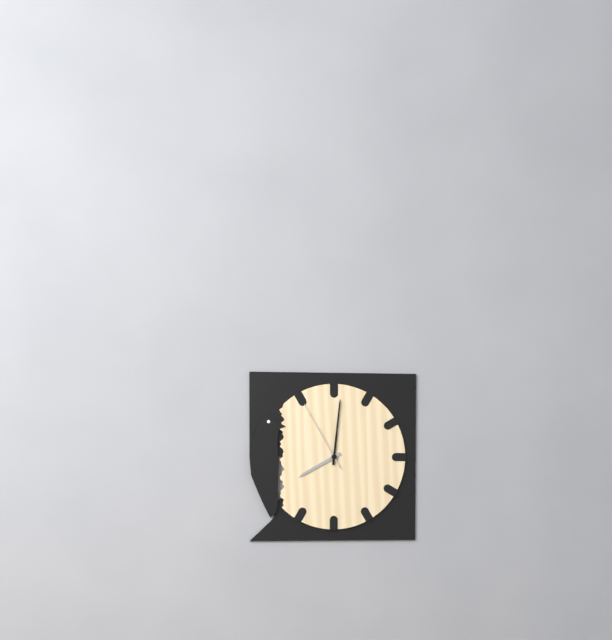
8:01:55
